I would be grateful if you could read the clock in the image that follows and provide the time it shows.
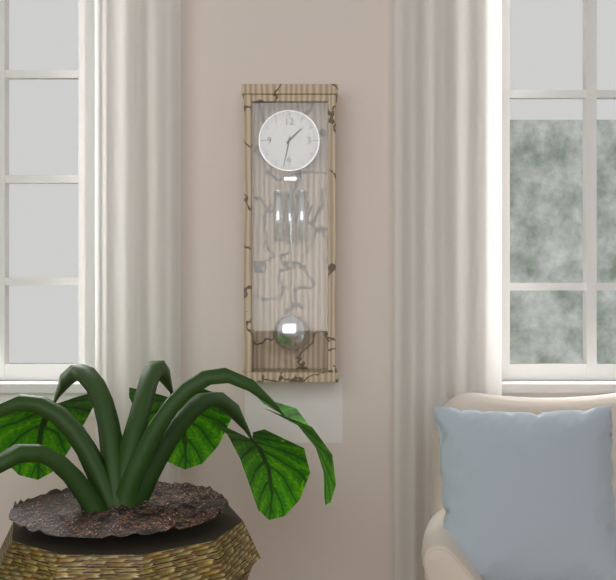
1:32
